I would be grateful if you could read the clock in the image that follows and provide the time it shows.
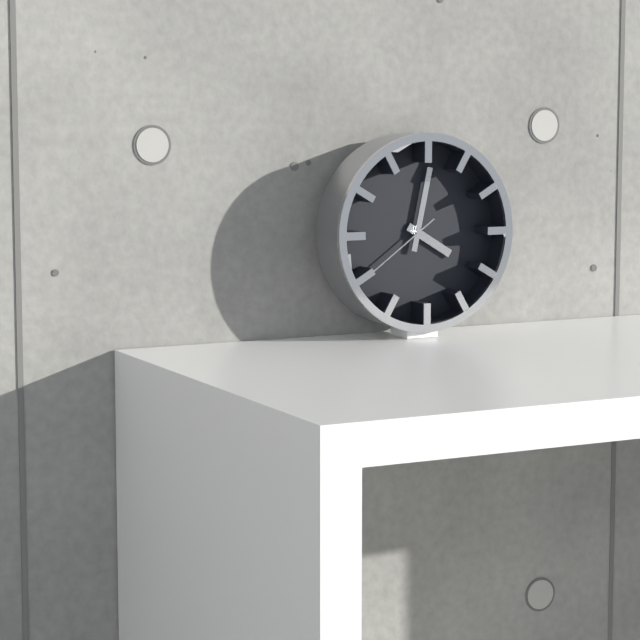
4:02:39
